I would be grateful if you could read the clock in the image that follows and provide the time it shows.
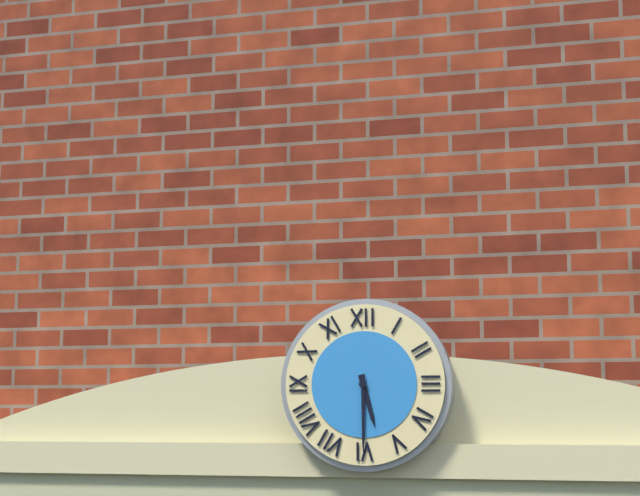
5:30
